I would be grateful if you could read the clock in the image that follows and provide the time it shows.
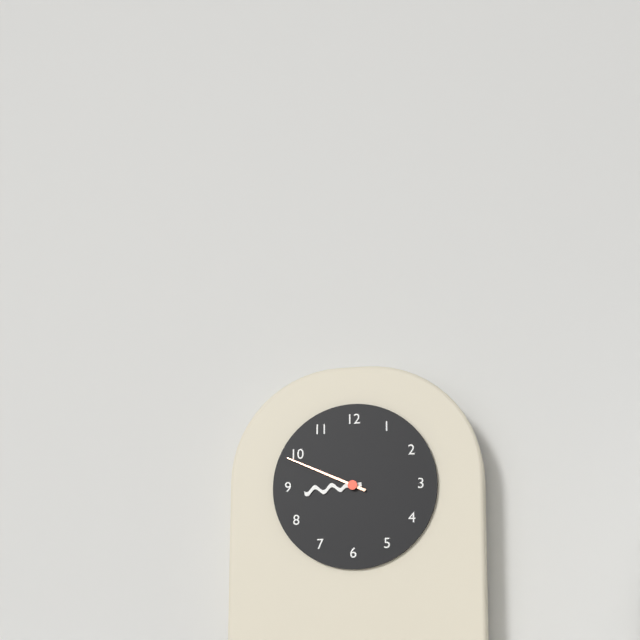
8:49
